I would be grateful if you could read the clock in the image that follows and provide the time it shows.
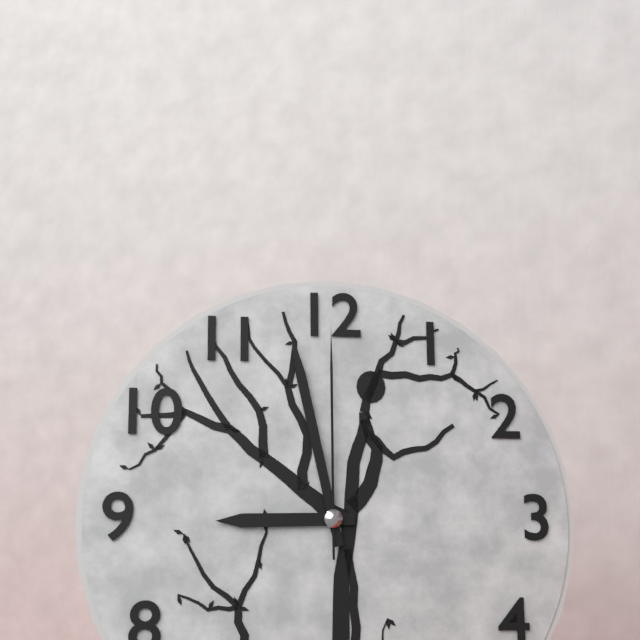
8:58:00
